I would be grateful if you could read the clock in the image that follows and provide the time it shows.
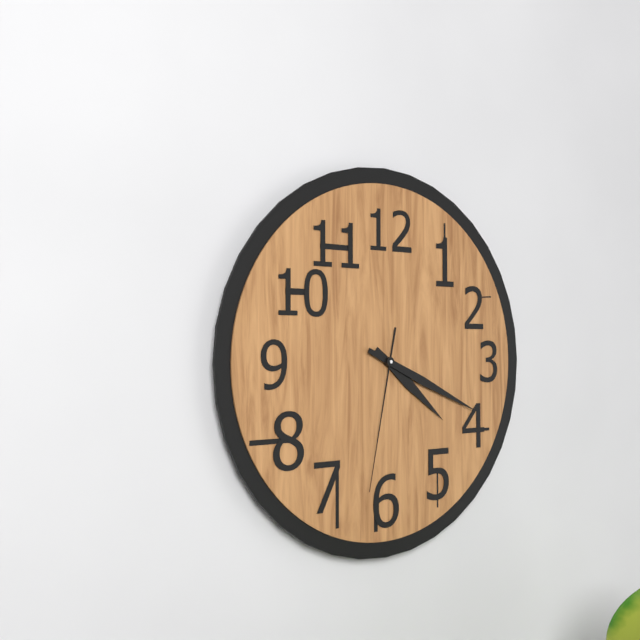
4:19:32
